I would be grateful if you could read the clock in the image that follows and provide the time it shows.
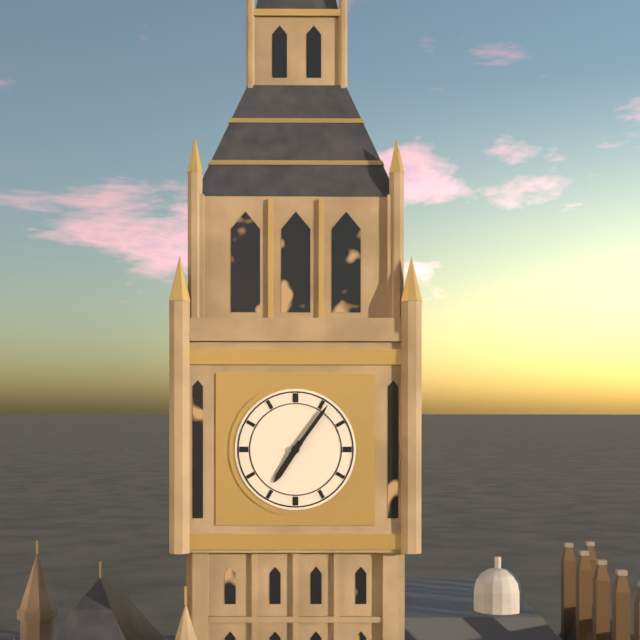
7:06
